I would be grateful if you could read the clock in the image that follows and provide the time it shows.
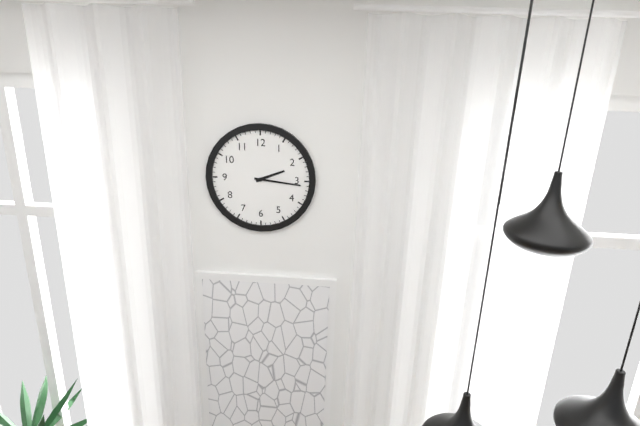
2:16
